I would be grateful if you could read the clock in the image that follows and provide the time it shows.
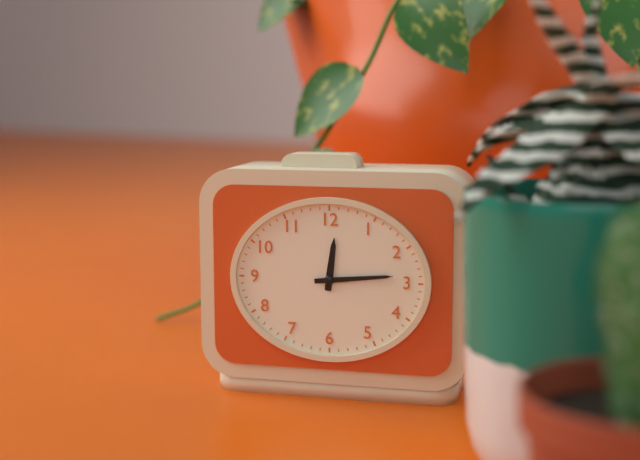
12:14
